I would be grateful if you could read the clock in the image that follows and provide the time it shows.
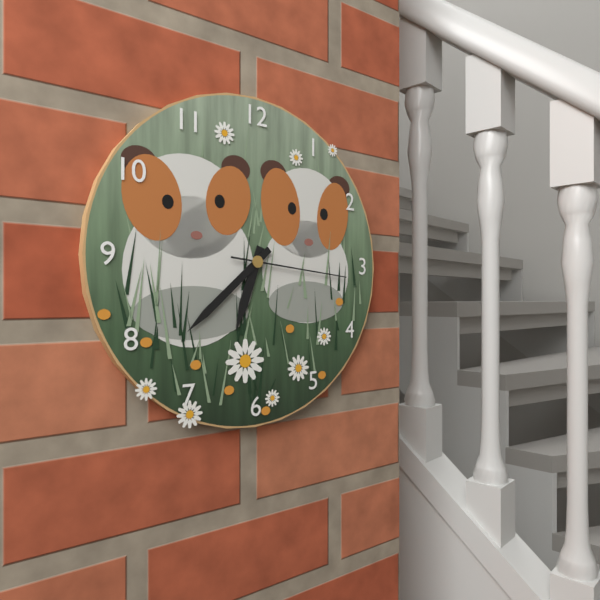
6:38:16
